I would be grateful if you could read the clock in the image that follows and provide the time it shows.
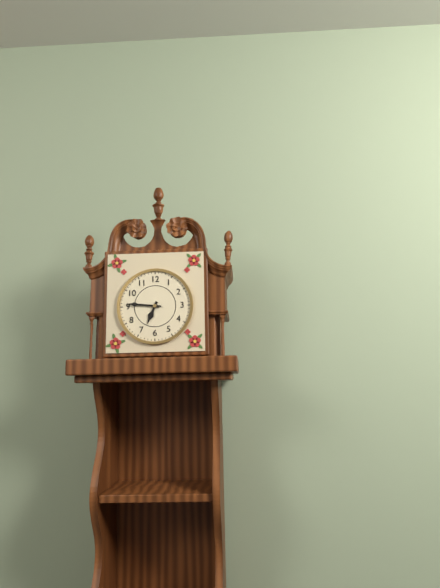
6:46
